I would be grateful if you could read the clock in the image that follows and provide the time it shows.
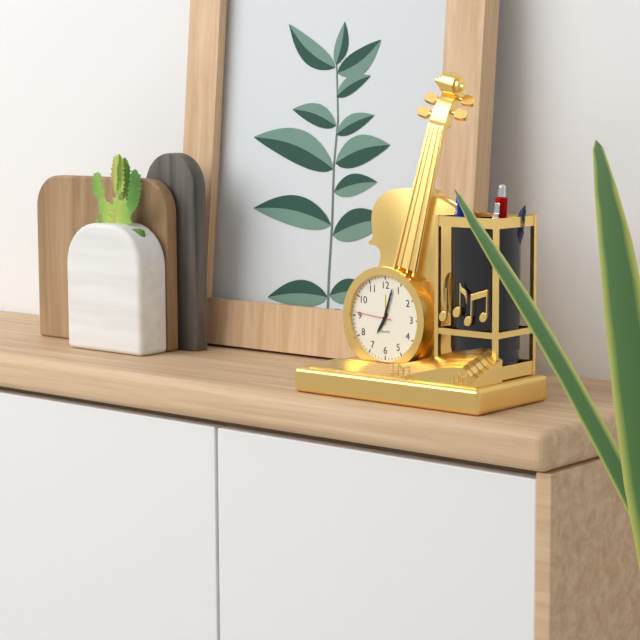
7:03
